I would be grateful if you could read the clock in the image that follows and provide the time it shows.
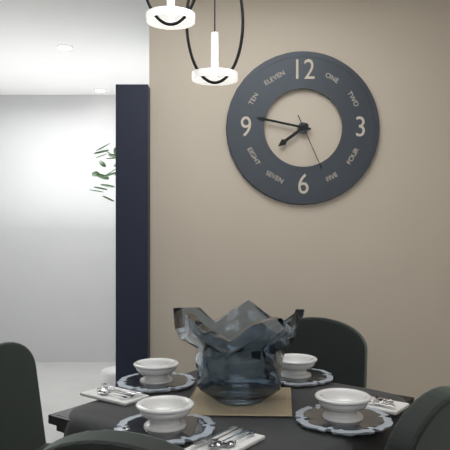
7:47:26
